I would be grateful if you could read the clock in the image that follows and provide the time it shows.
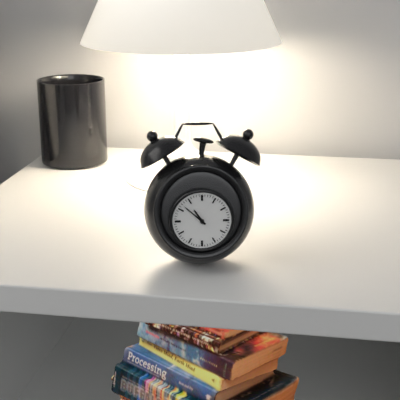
10:52
